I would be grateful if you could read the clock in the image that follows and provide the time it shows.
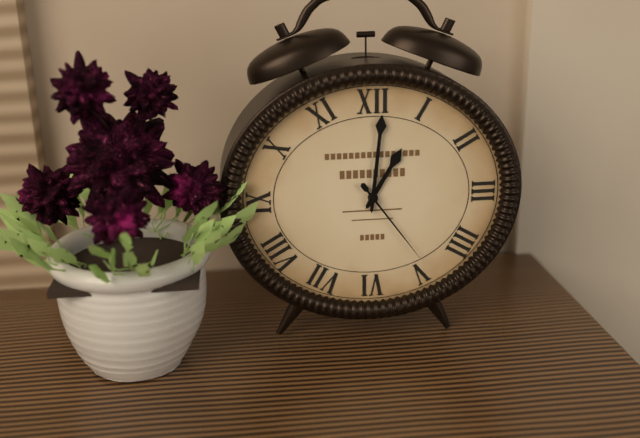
1:01:24
